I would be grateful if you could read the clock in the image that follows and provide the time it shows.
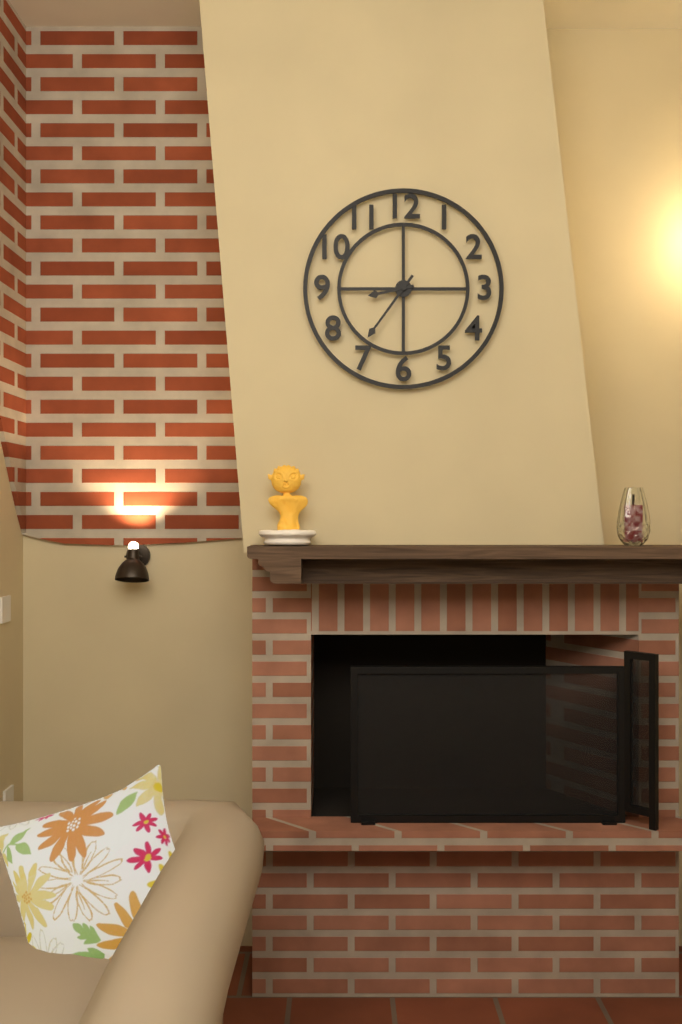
8:36
